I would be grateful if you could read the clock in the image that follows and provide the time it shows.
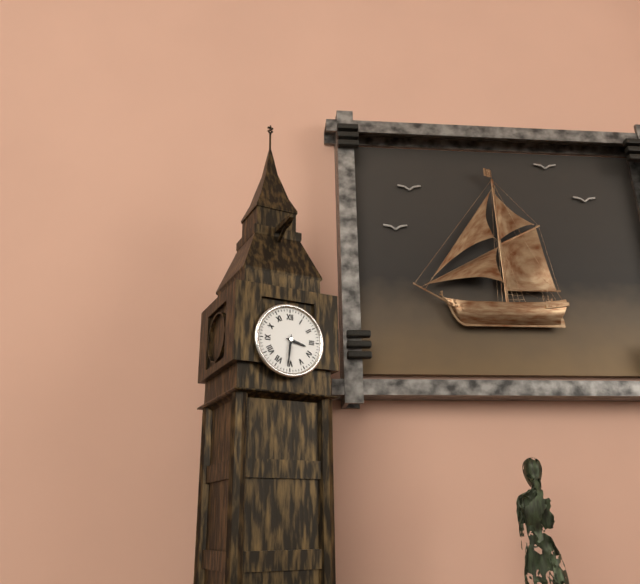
3:31
